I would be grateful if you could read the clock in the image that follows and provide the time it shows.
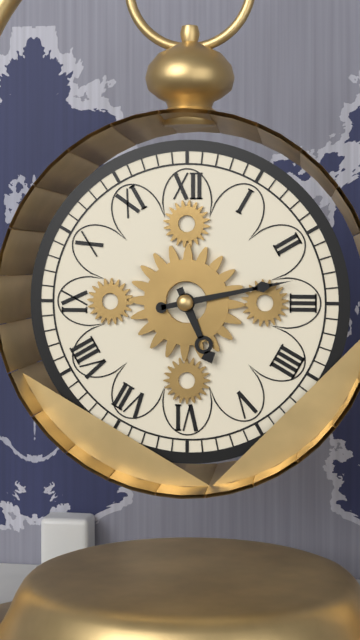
5:13
